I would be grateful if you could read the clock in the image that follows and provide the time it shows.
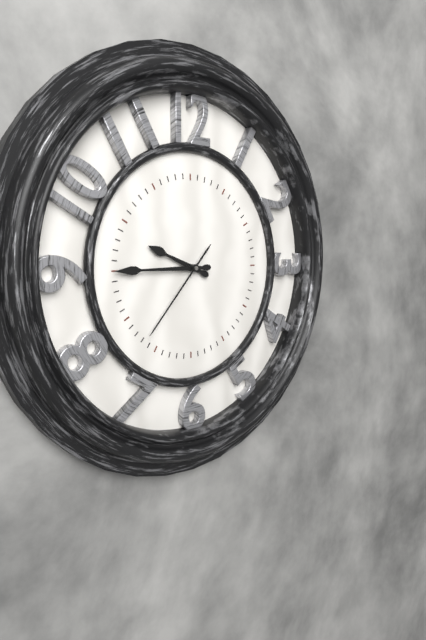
9:45:37
